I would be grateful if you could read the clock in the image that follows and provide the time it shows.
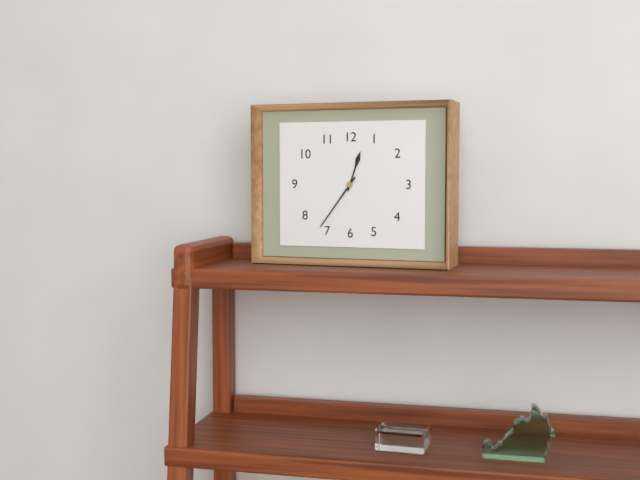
12:36
